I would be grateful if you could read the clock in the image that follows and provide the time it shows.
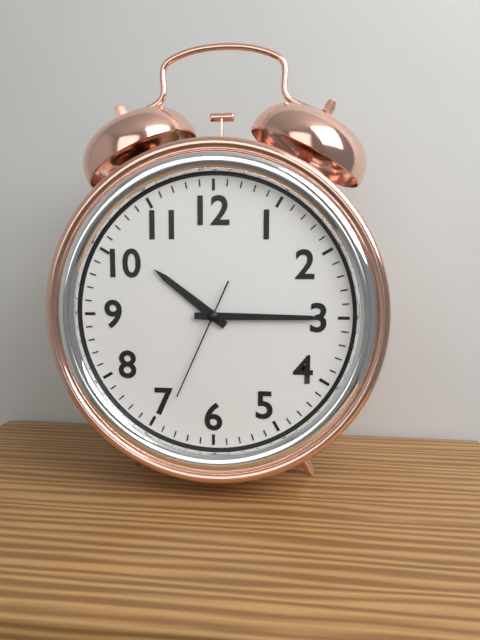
10:15:34
